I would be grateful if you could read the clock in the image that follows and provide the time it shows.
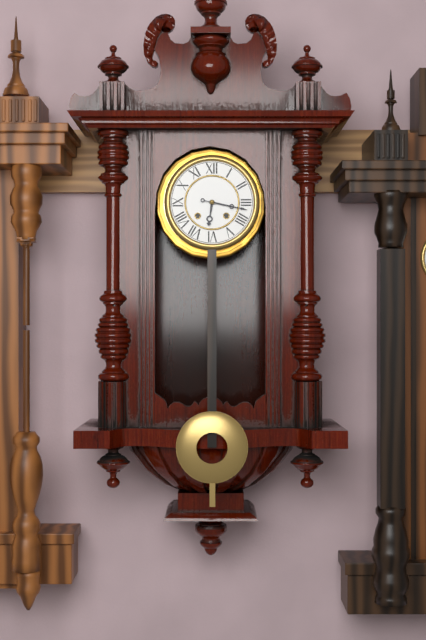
6:17
